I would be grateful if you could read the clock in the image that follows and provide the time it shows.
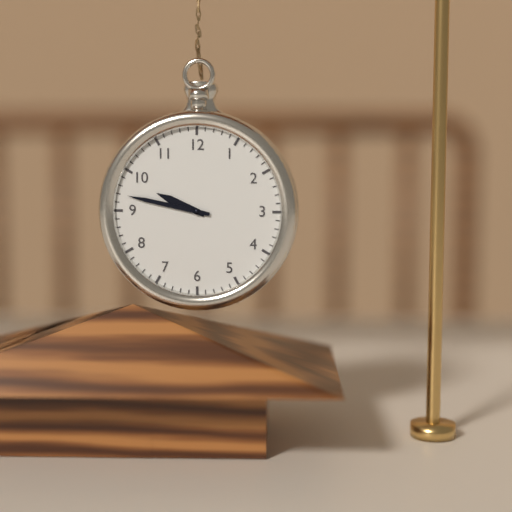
9:47
